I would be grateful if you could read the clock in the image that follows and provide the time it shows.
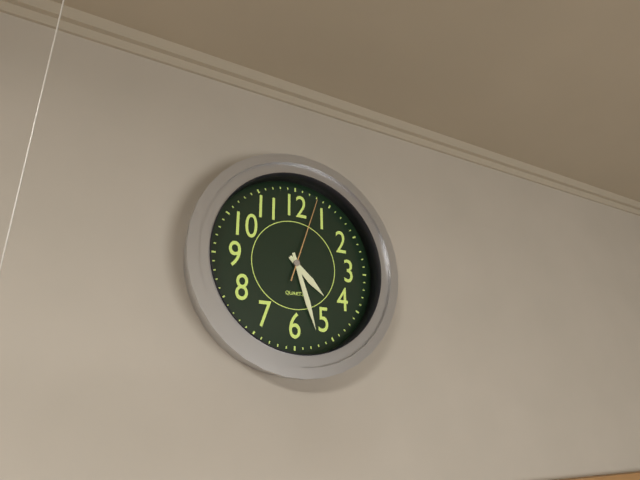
4:27:03
